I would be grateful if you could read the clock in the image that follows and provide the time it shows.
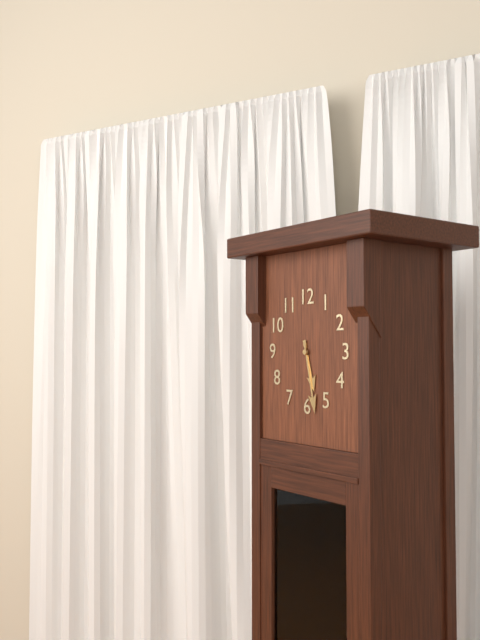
5:28
